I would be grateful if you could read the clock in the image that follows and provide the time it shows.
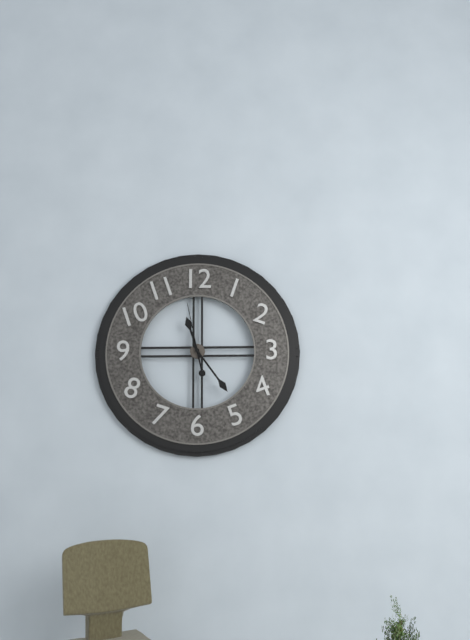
11:24:58
